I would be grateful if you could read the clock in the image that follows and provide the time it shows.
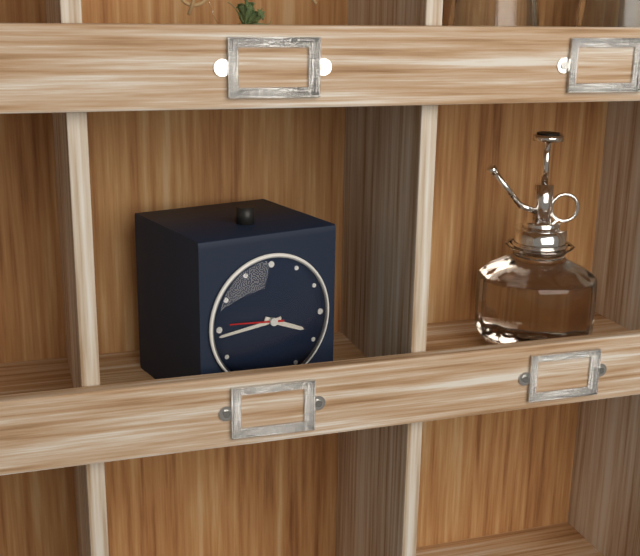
3:44:46
